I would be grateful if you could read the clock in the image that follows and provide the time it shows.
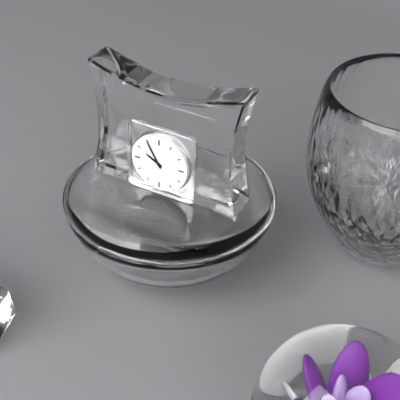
9:55
